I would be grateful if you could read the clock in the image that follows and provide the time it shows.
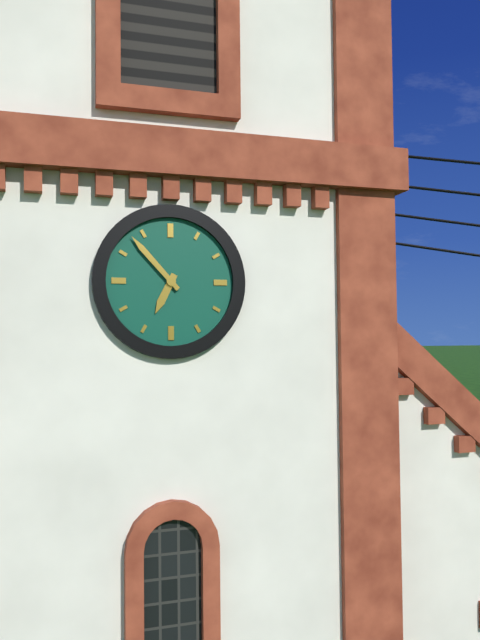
6:53
